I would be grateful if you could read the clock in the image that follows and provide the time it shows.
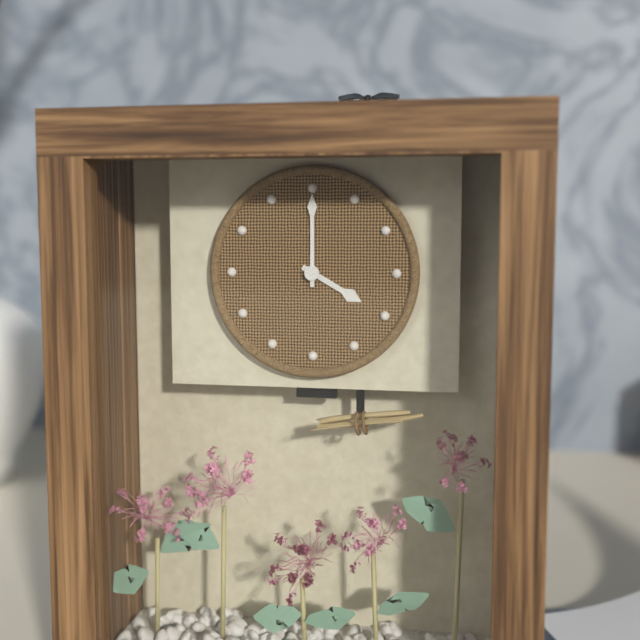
4:00
